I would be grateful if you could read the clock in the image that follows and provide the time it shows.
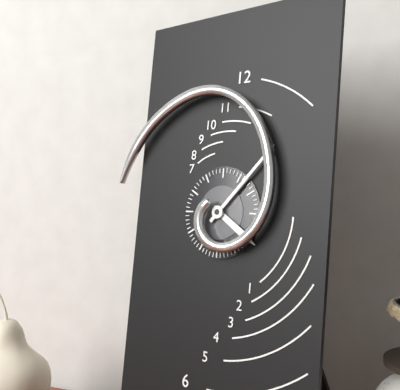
4:07
